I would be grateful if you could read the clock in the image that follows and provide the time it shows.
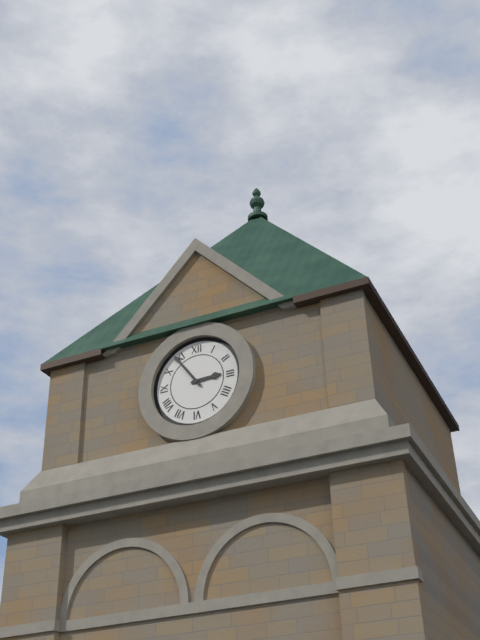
2:54
